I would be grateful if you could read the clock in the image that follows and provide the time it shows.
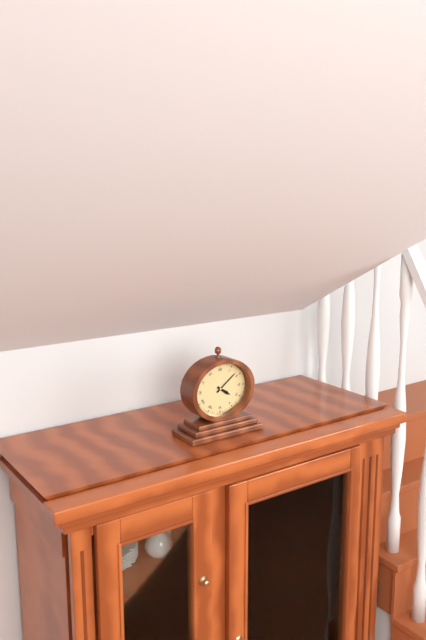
4:09
